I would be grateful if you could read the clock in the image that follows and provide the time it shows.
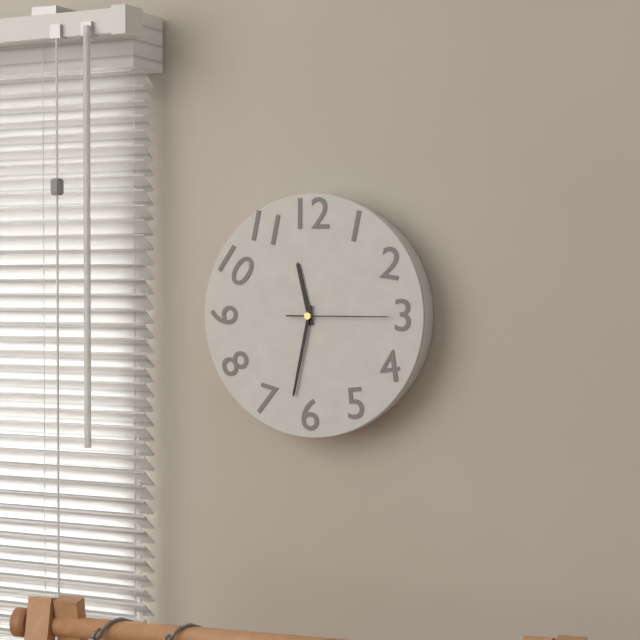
11:32:15
